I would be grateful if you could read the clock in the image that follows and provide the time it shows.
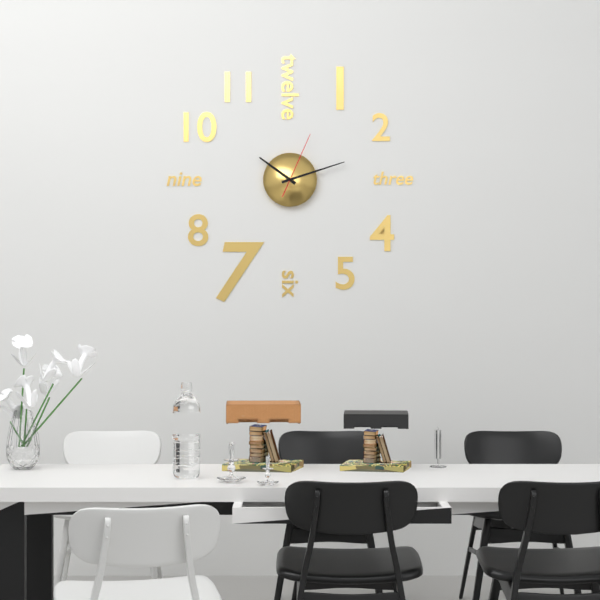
10:12:04
